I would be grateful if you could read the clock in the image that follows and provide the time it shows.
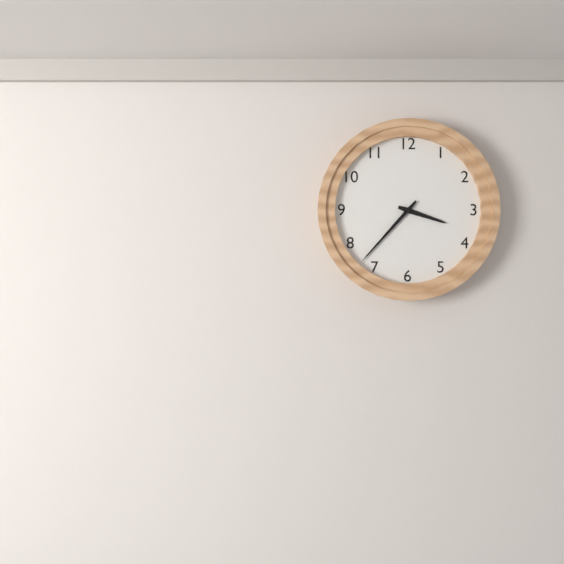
3:37
